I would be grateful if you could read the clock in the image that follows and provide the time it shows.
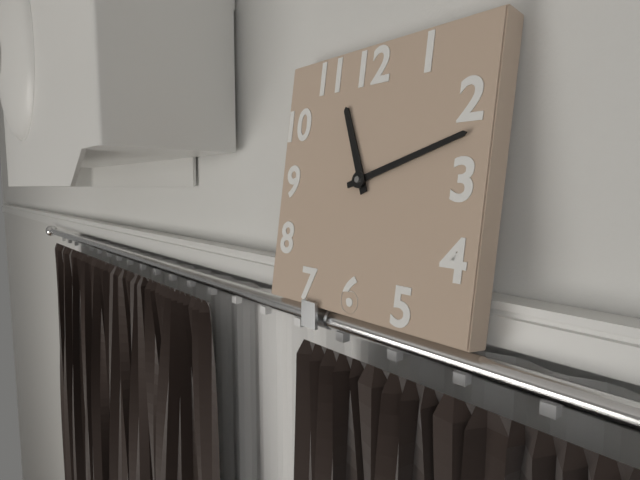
11:12
